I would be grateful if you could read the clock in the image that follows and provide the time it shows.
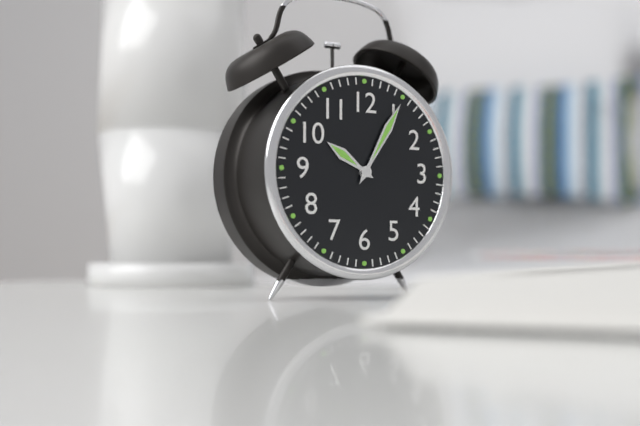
10:05
